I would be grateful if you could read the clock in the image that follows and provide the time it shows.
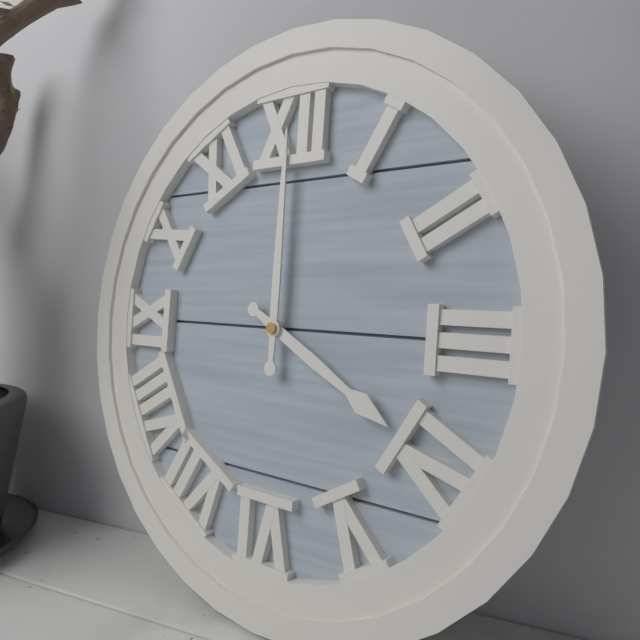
4:00
